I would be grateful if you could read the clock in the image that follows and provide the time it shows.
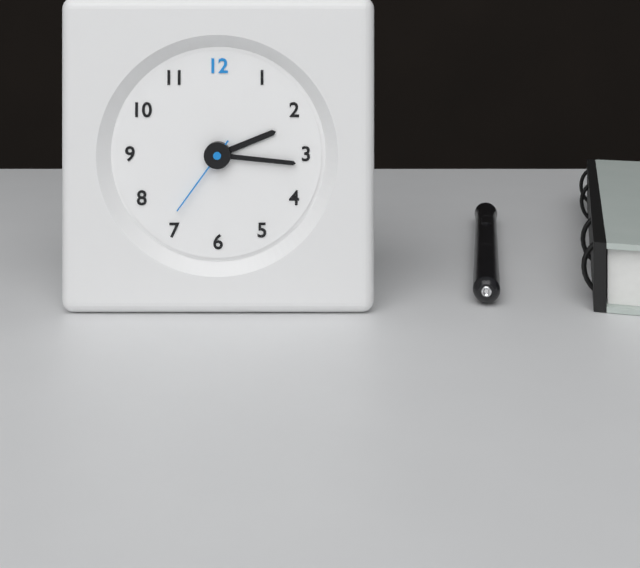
2:16:36
